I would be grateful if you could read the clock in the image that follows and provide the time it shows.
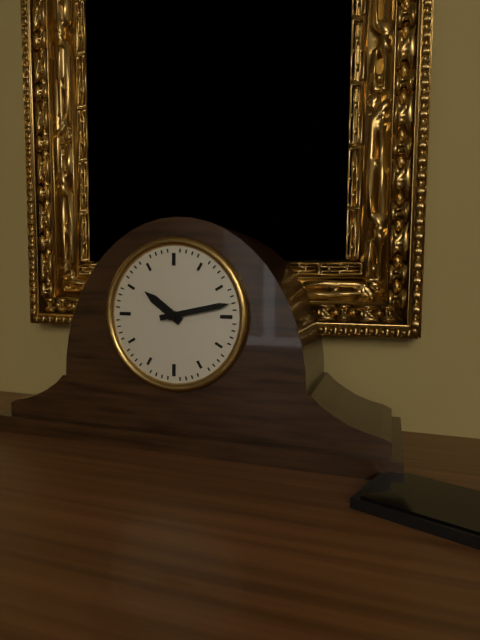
10:13
